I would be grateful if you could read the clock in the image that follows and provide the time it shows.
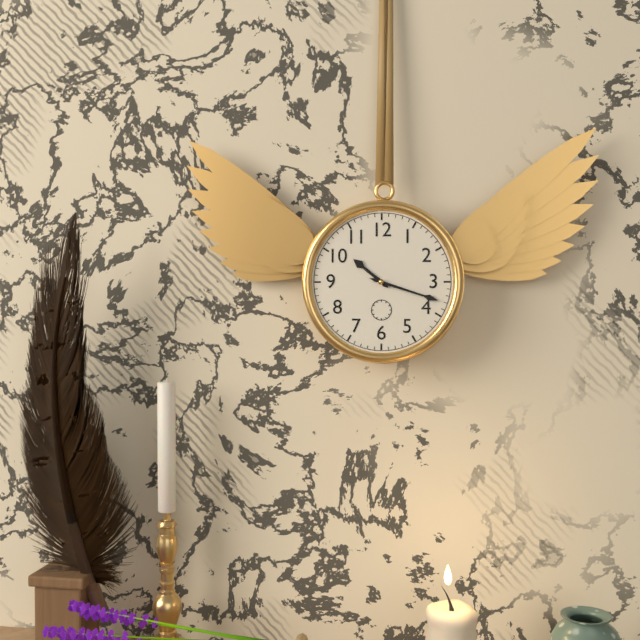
10:18
